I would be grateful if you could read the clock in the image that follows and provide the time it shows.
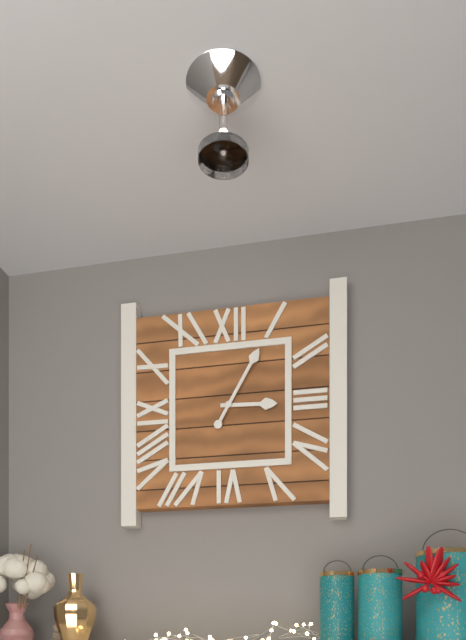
3:05
